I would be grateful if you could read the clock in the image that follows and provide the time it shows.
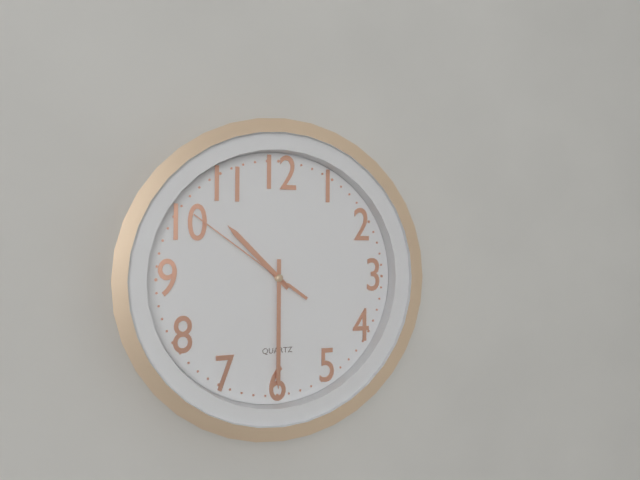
10:30:51
